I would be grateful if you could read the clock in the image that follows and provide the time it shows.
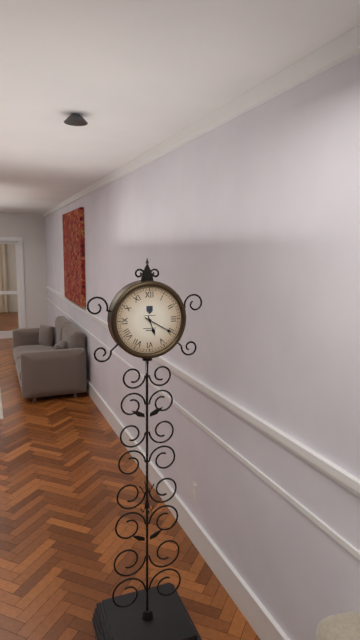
5:20
